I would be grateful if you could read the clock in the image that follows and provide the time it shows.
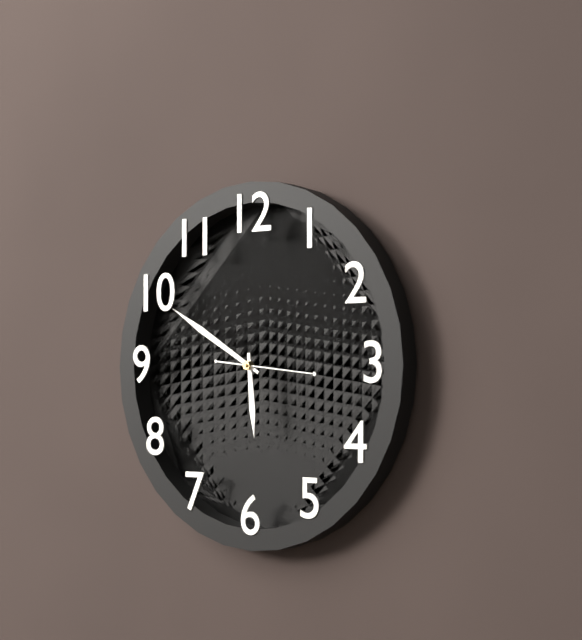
5:50:16
